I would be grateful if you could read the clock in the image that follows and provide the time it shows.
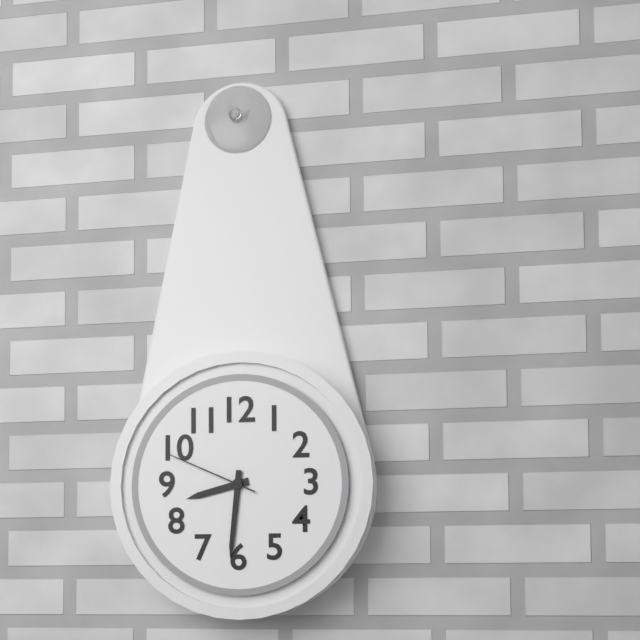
8:31:49
